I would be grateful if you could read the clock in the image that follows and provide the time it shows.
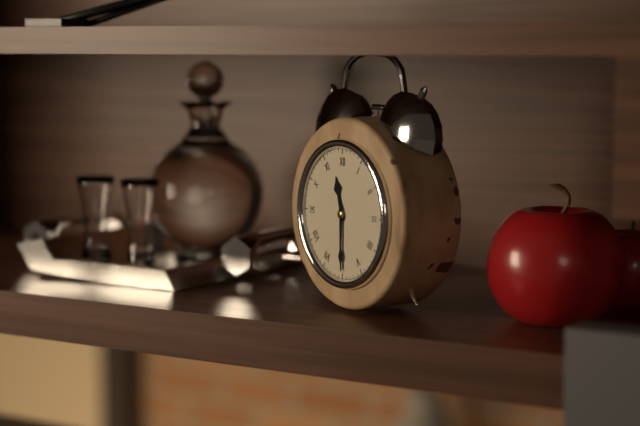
11:30
